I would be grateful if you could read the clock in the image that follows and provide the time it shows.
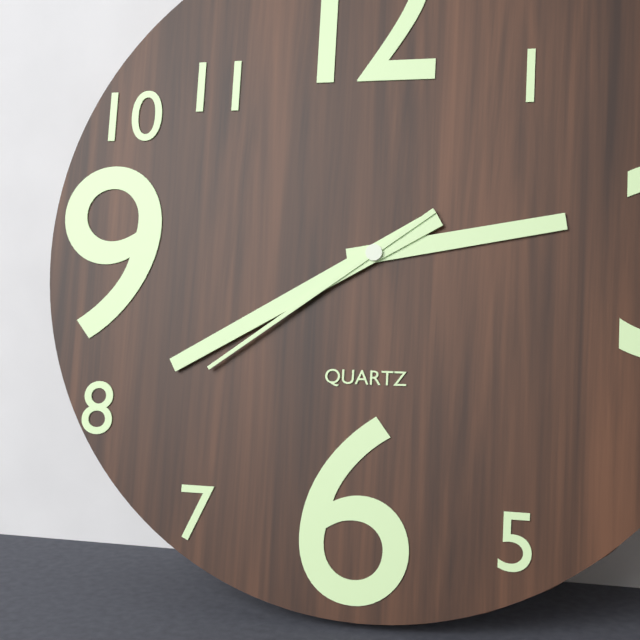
2:40:39
